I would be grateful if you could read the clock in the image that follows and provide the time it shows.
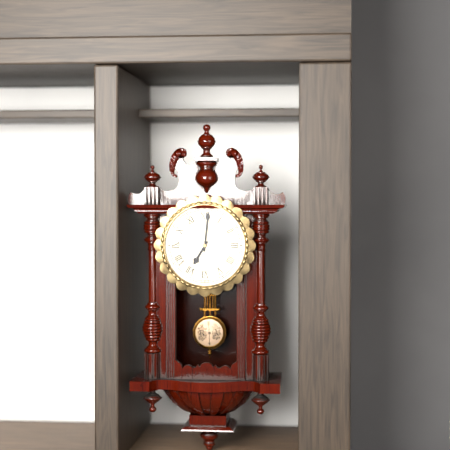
7:01
